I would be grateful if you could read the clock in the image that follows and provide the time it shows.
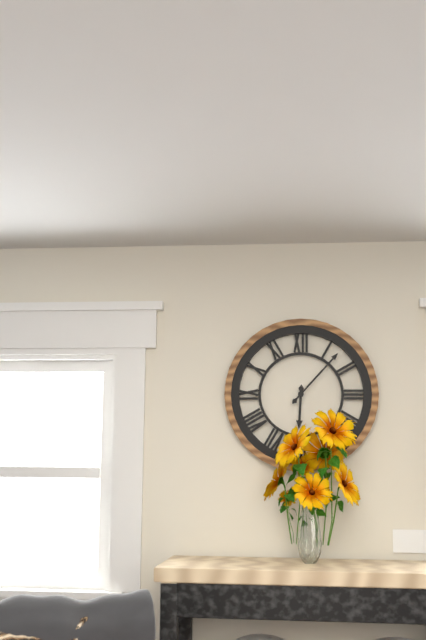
6:07
